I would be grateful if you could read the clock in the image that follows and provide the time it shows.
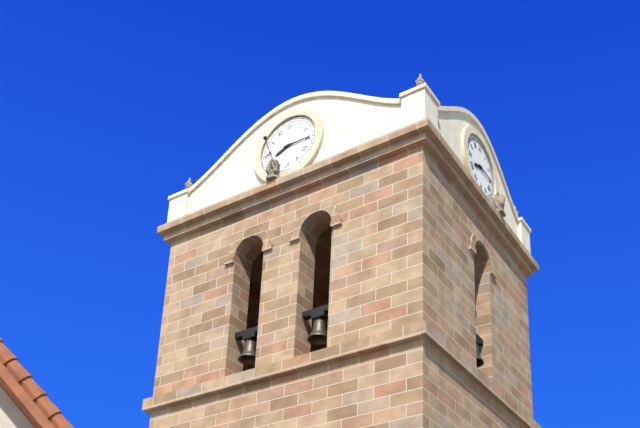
8:15
